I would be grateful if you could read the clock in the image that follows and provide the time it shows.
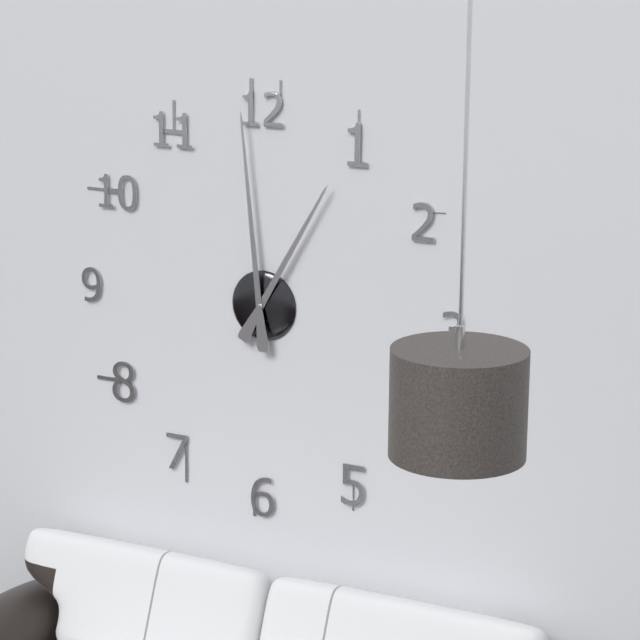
12:59
